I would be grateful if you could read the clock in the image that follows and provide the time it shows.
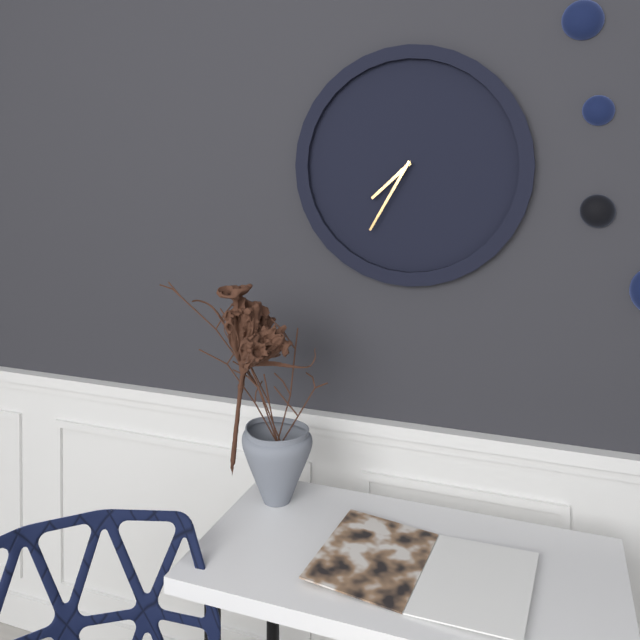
7:35
